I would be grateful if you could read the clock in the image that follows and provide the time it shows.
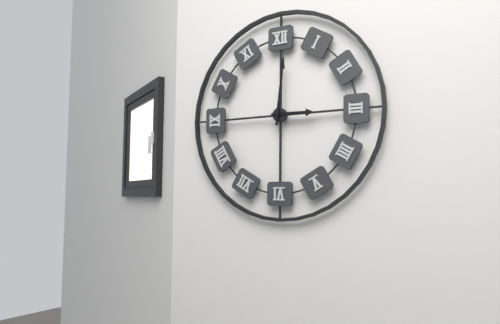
3:01
